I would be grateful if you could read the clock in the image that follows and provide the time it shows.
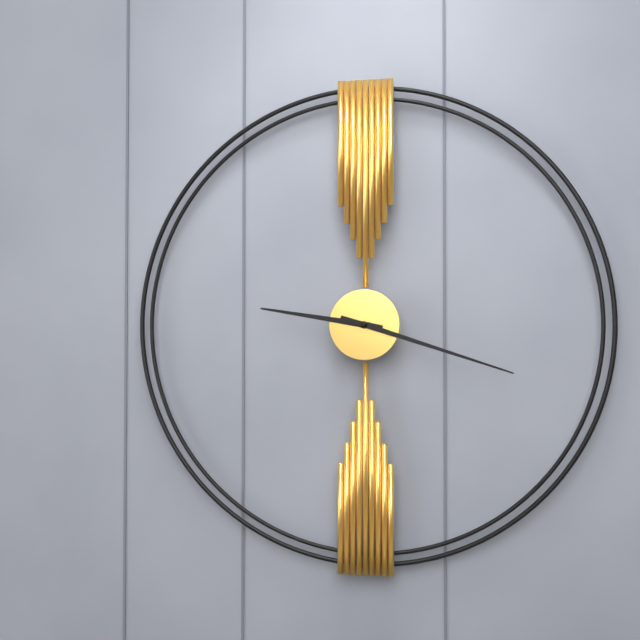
9:18
